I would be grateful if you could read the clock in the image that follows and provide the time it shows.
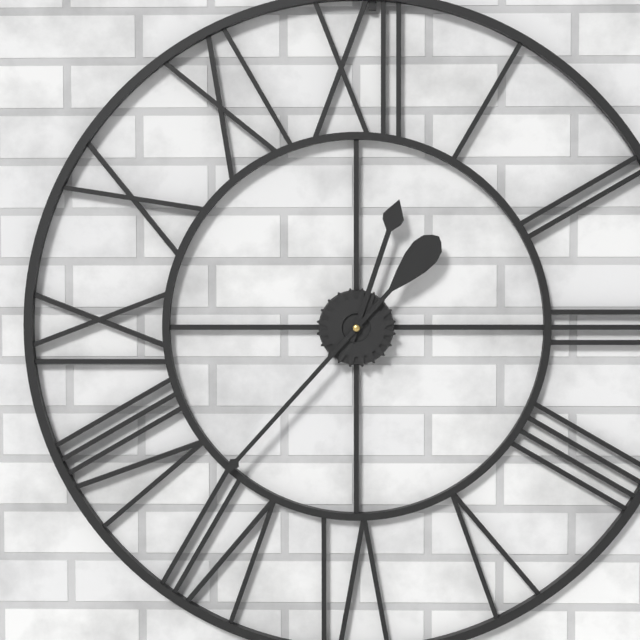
12:37
